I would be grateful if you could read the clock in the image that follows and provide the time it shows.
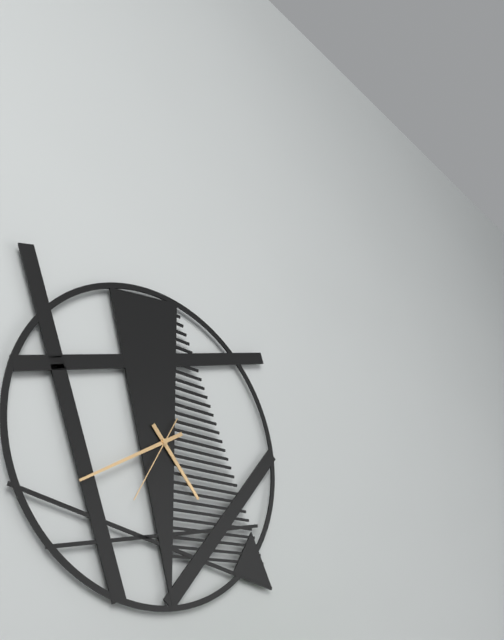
4:40:35
